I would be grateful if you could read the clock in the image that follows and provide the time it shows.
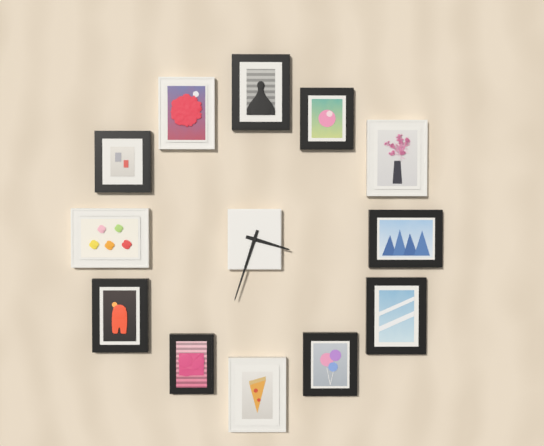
3:33
